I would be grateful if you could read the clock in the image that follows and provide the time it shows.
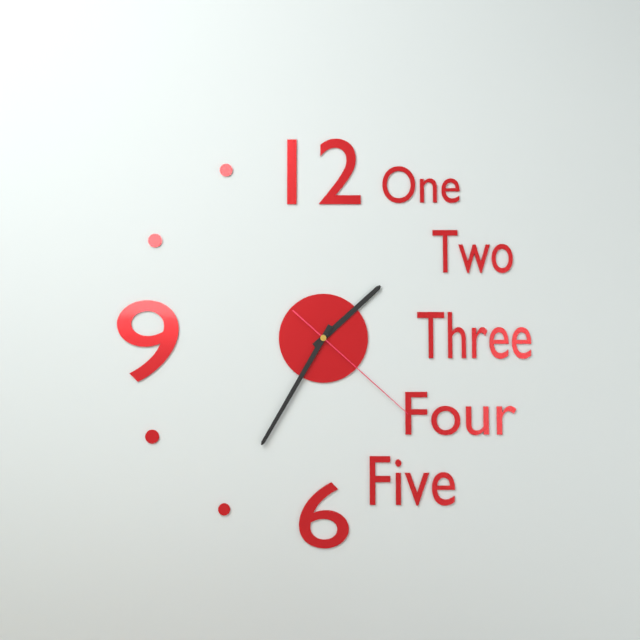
1:35:22
